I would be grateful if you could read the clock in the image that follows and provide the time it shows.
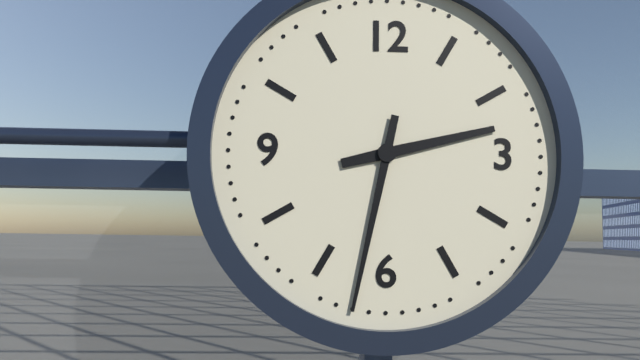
2:32
